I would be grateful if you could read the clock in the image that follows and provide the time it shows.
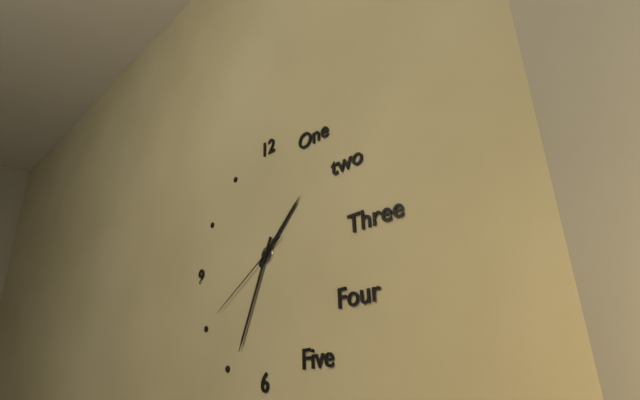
1:34:40
